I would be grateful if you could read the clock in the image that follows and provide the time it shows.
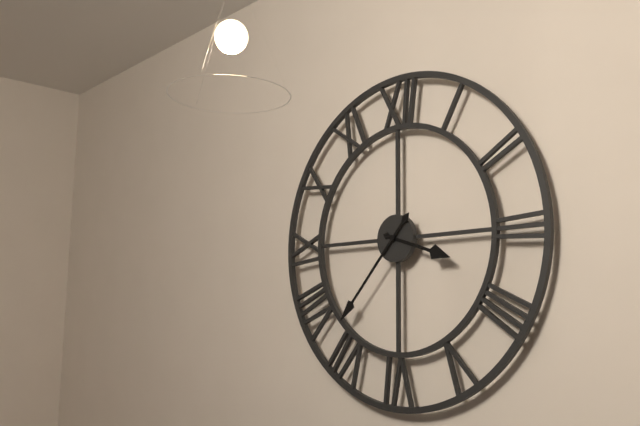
3:37
